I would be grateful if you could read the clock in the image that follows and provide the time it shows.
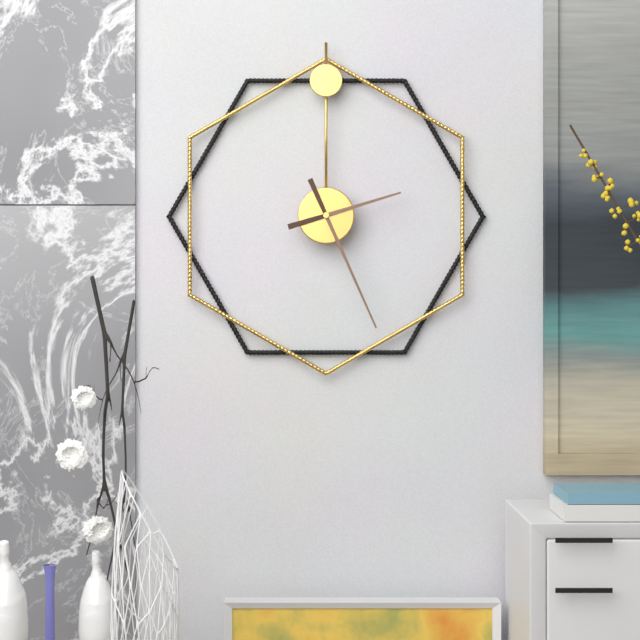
2:26
